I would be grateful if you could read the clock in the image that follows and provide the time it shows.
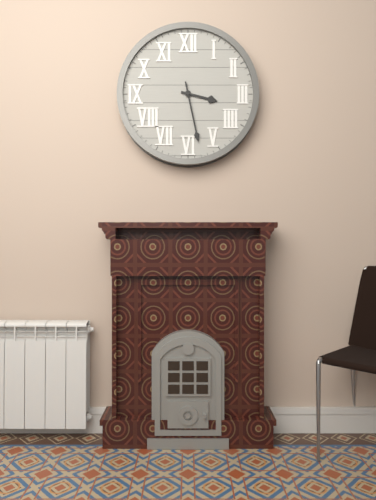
3:28
